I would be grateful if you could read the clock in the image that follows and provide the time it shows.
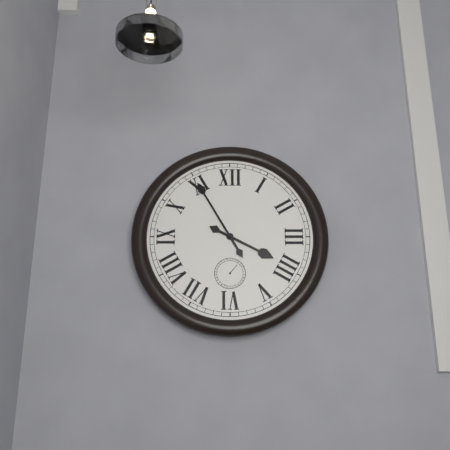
3:55
